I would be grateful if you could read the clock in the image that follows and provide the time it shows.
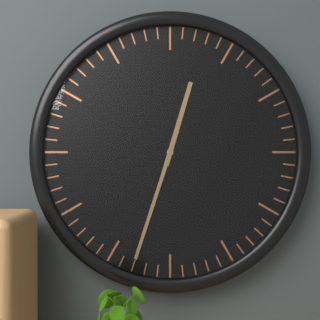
12:33
